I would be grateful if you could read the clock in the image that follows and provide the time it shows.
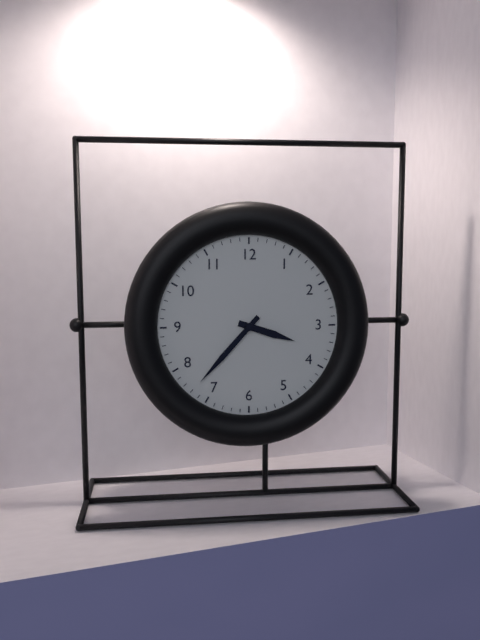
3:37
